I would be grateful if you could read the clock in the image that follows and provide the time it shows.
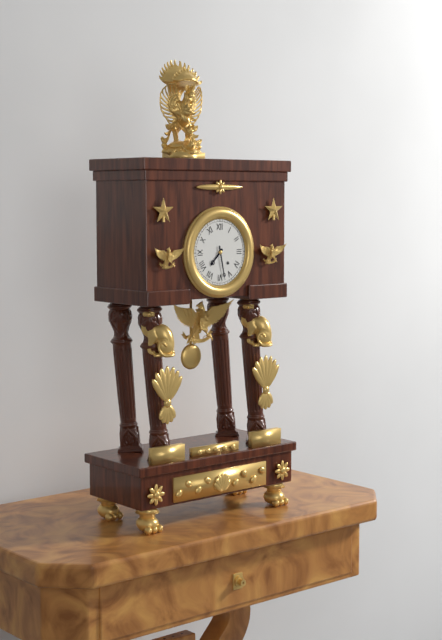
7:28
